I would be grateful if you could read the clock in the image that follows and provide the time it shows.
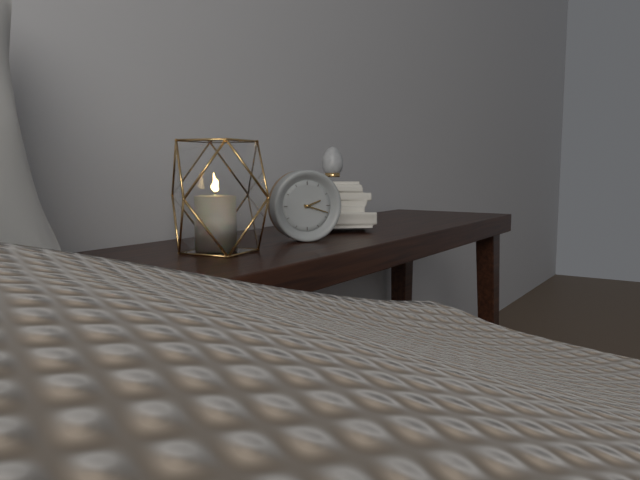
2:18
